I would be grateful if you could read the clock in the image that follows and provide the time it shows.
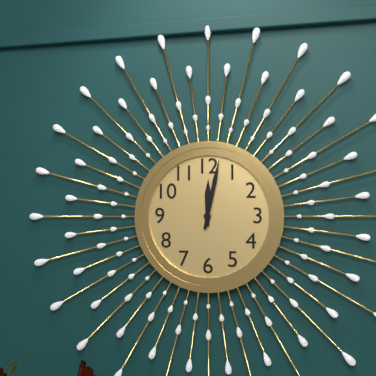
12:02
